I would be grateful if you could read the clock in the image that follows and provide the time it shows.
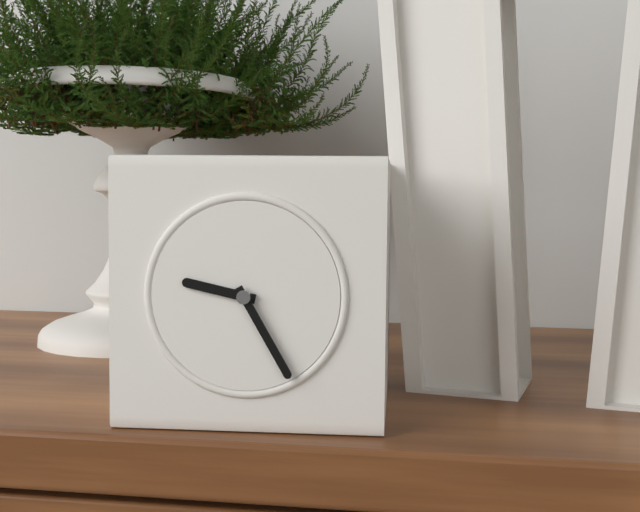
9:25
